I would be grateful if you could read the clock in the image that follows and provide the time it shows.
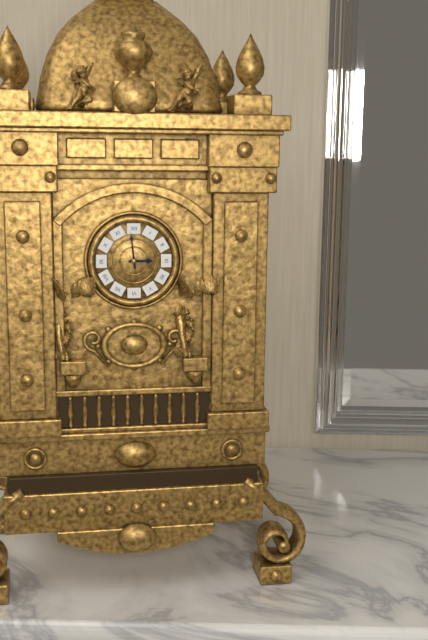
2:59
